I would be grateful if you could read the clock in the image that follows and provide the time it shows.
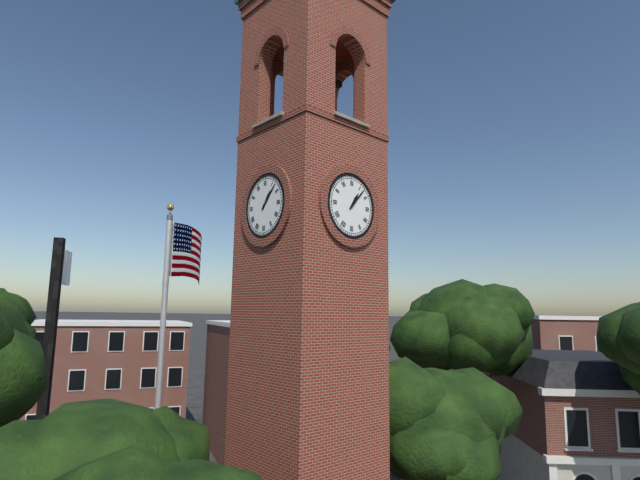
1:07
